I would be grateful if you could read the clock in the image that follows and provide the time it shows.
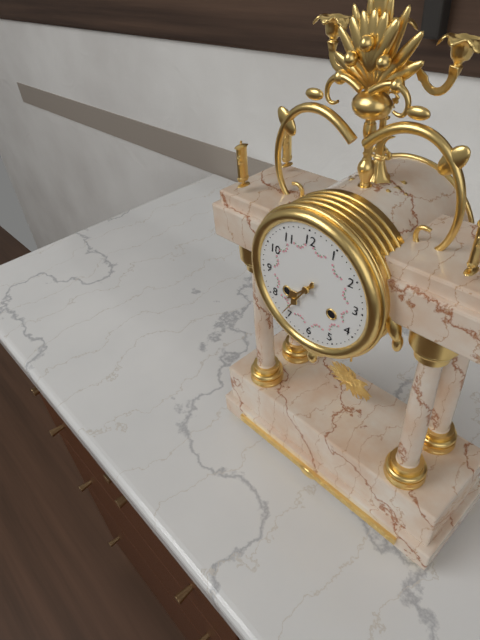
7:36
